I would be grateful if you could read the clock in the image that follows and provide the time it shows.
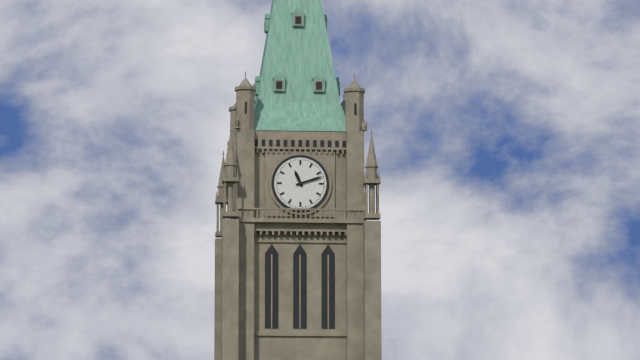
11:12
